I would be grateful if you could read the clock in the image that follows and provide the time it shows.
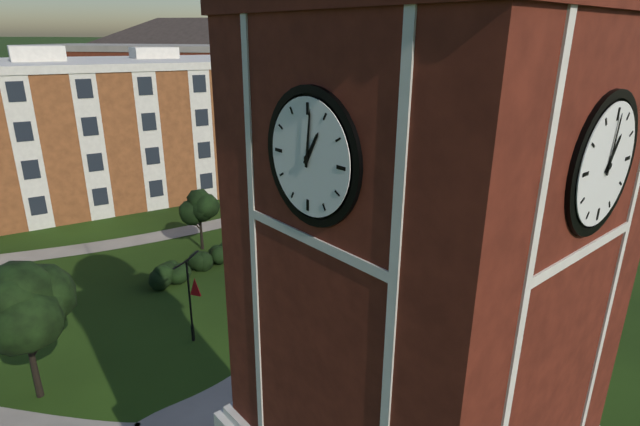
1:01
